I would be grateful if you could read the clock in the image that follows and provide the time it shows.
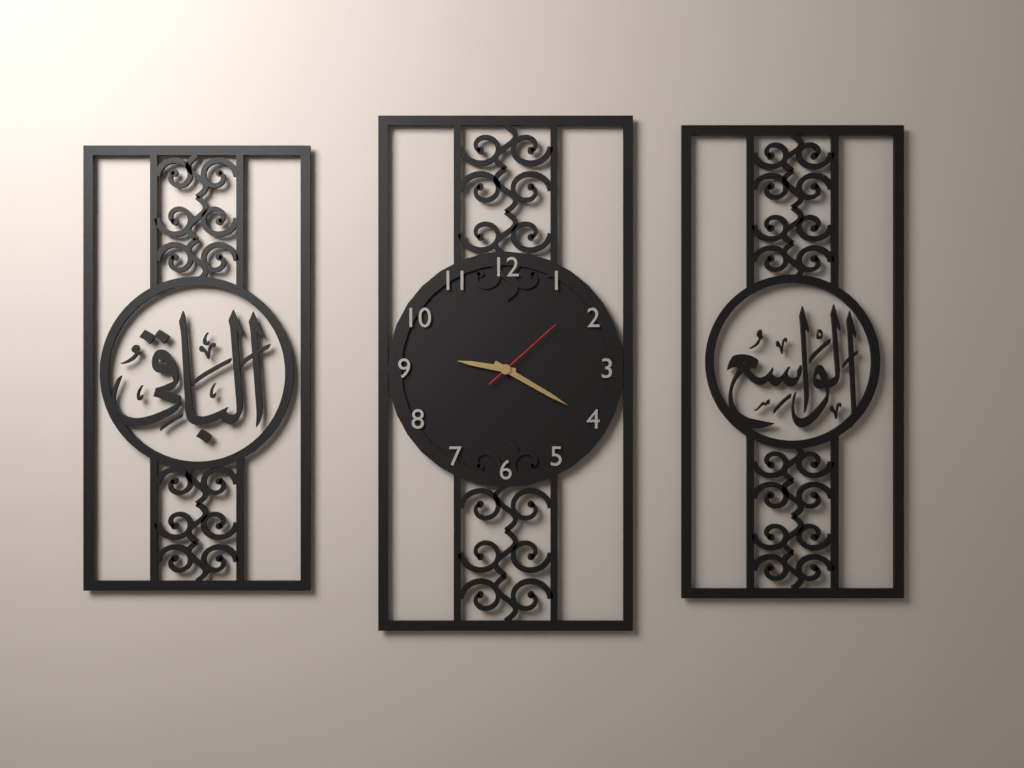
9:20:08
